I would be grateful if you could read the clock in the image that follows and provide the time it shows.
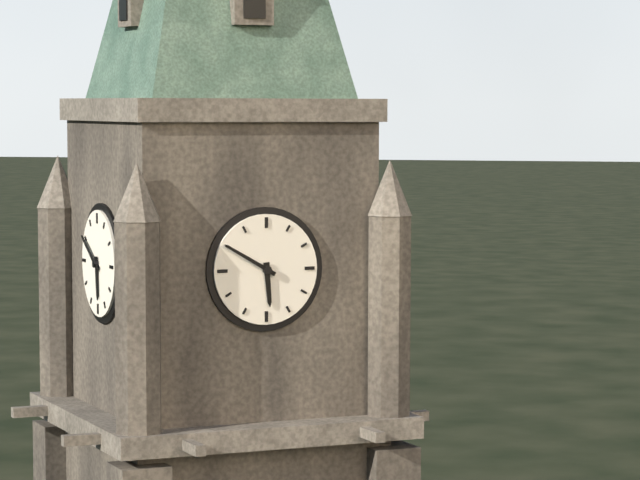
5:50
